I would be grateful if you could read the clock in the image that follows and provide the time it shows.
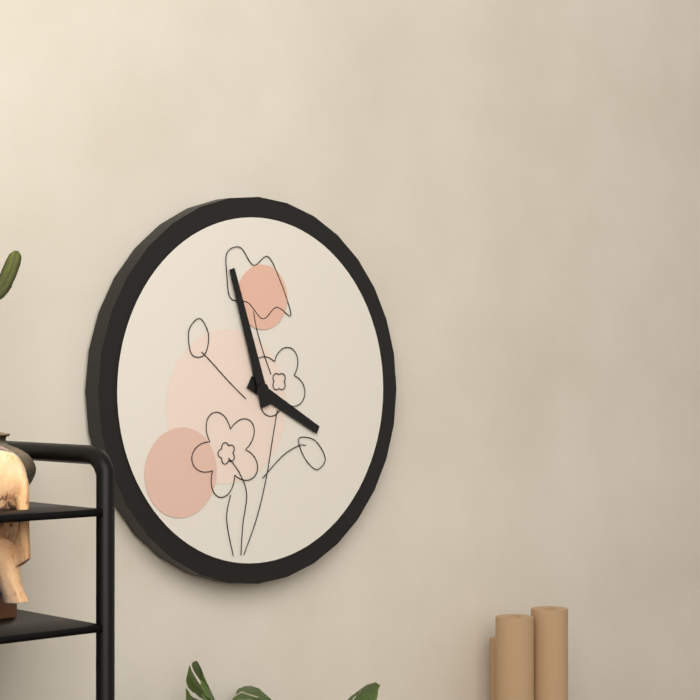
3:57
